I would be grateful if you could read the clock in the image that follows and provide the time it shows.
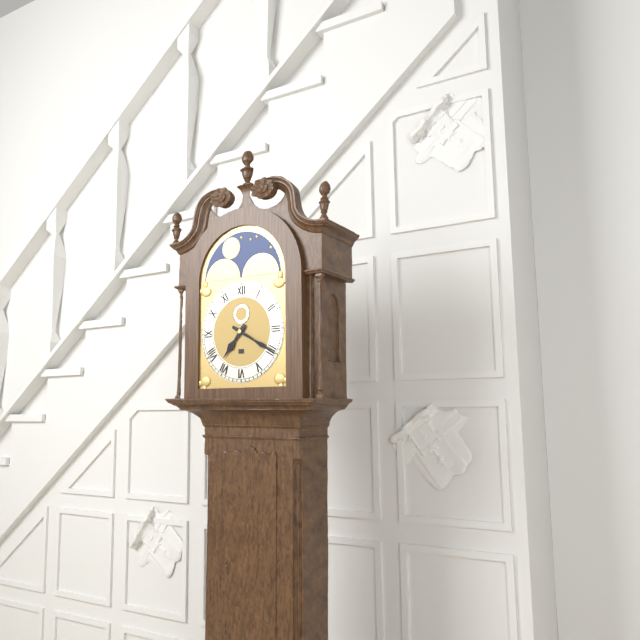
7:20
